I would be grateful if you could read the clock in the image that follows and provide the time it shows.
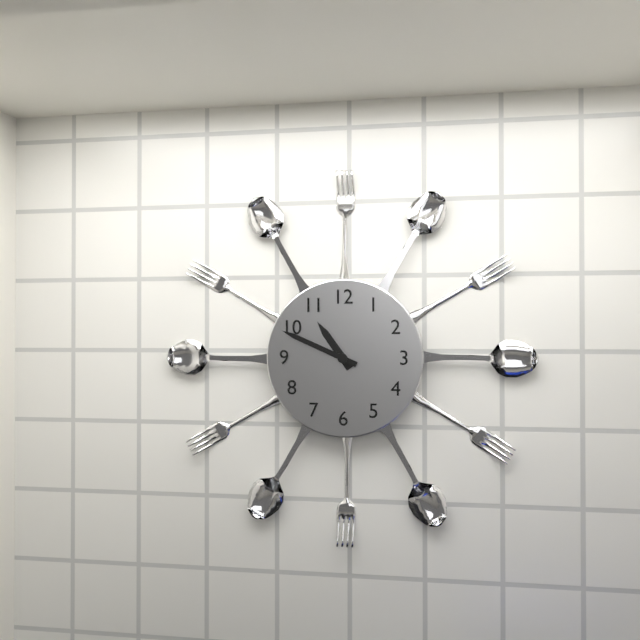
10:49
